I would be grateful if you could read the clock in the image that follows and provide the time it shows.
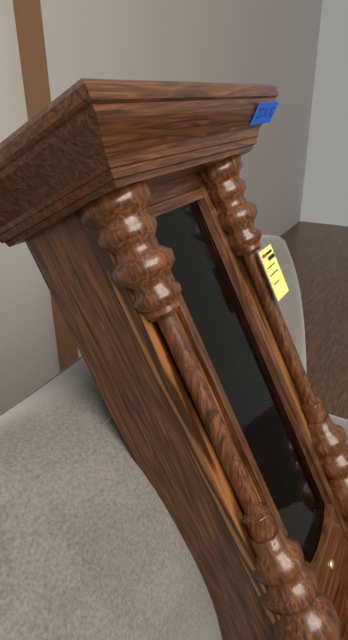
12:36
